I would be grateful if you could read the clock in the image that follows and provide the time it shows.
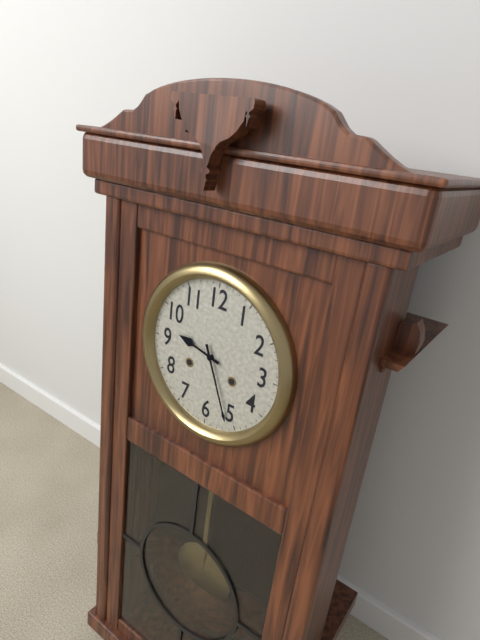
9:26
